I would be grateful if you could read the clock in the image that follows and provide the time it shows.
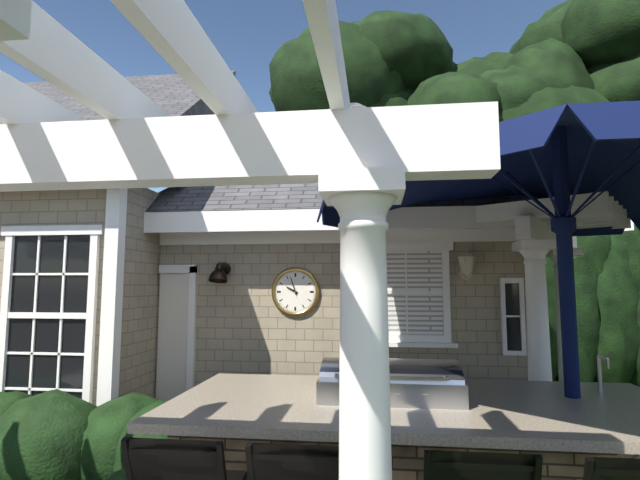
9:57
